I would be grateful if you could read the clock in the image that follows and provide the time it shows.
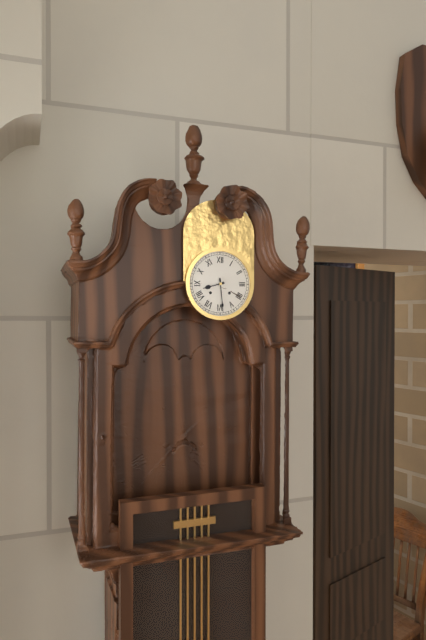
8:29
